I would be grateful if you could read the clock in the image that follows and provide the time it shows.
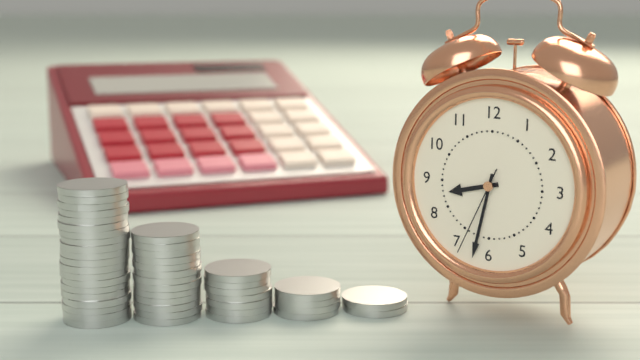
8:32:34
